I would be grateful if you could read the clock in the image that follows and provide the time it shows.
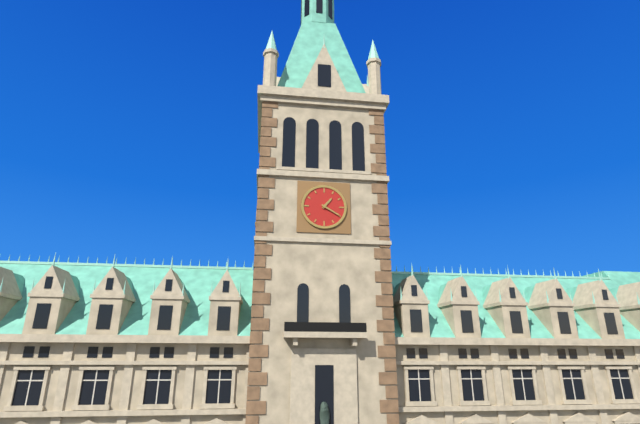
1:20
